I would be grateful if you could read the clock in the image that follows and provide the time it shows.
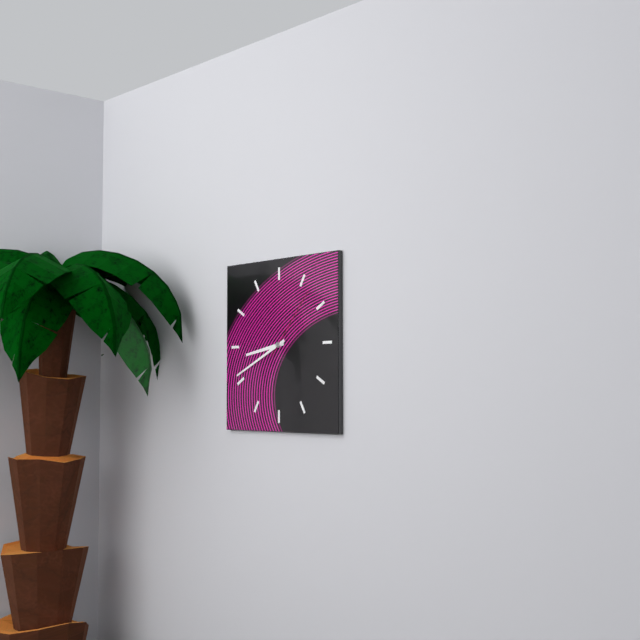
8:41:07
